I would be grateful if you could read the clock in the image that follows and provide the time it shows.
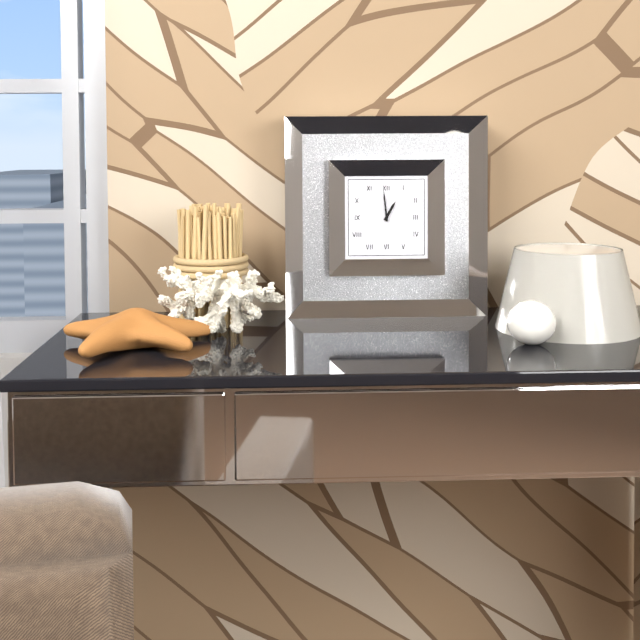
12:59
